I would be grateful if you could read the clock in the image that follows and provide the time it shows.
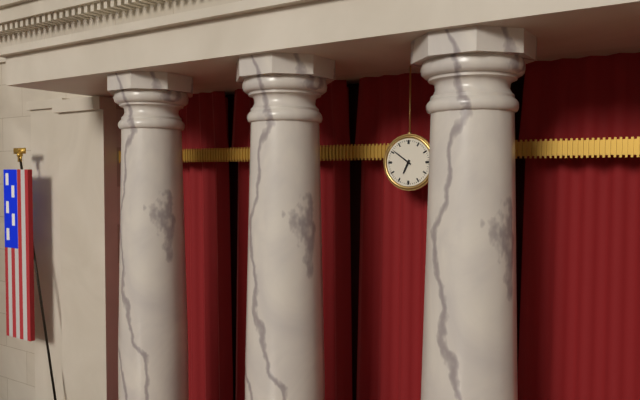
6:51
